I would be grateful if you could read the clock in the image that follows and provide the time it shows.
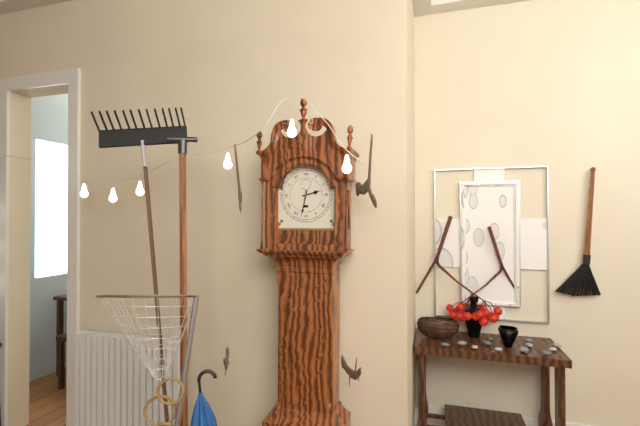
2:32
